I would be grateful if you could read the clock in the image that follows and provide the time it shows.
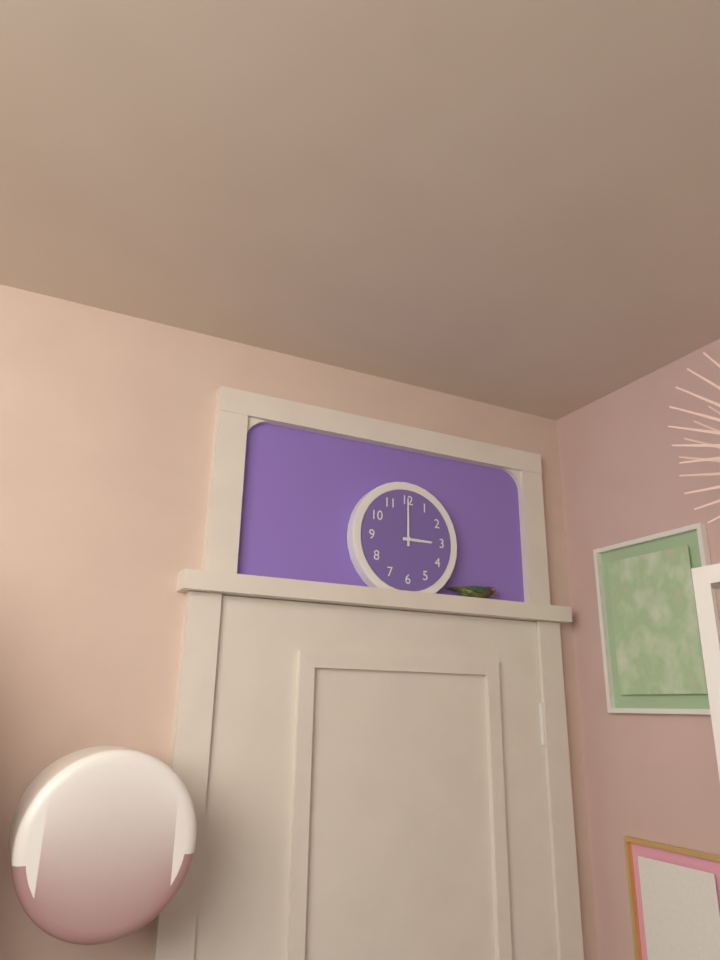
3:00
